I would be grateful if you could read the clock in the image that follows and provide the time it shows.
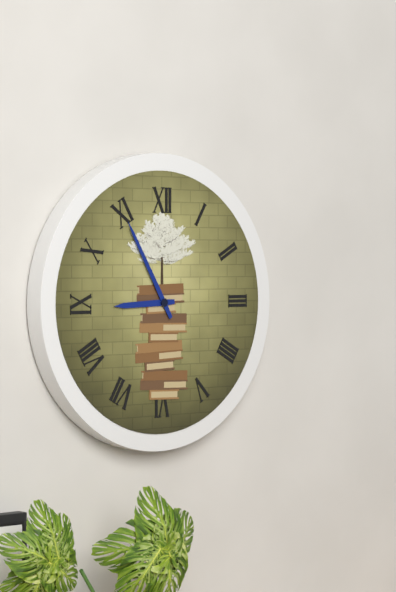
8:55
